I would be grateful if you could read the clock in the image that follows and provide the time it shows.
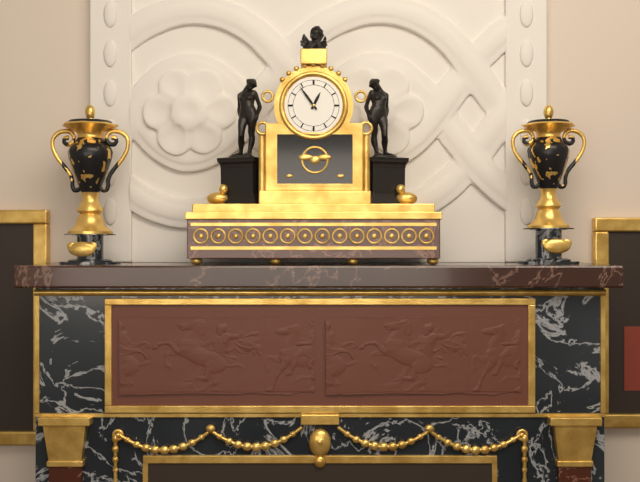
12:54
